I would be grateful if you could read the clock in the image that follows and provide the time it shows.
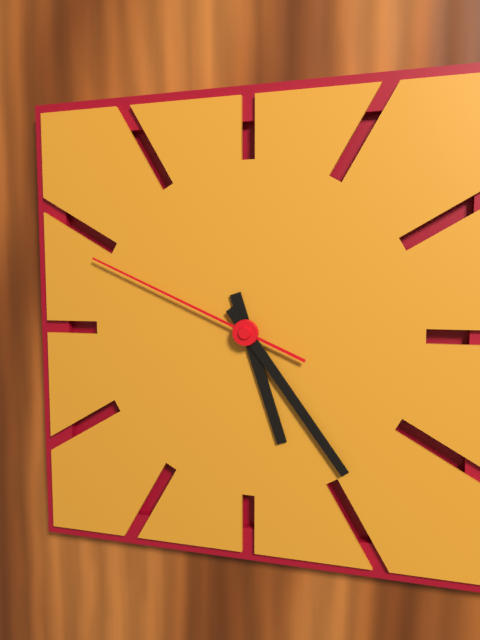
5:24:49
